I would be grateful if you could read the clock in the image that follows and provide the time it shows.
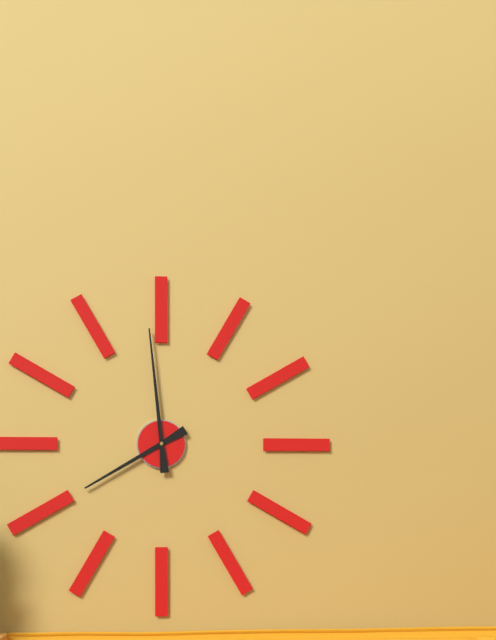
7:59
